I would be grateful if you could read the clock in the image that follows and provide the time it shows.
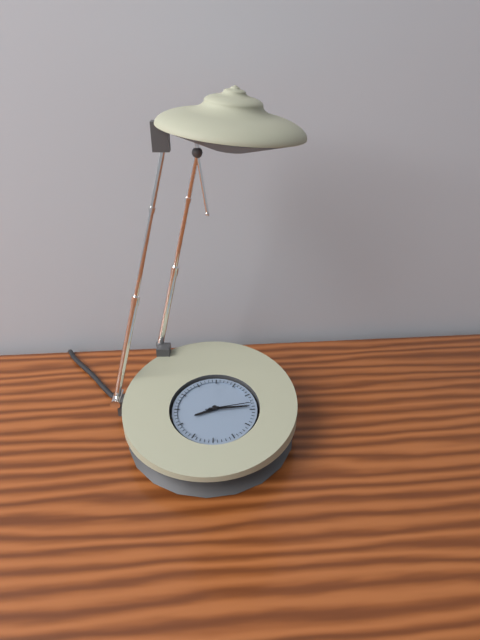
8:14
